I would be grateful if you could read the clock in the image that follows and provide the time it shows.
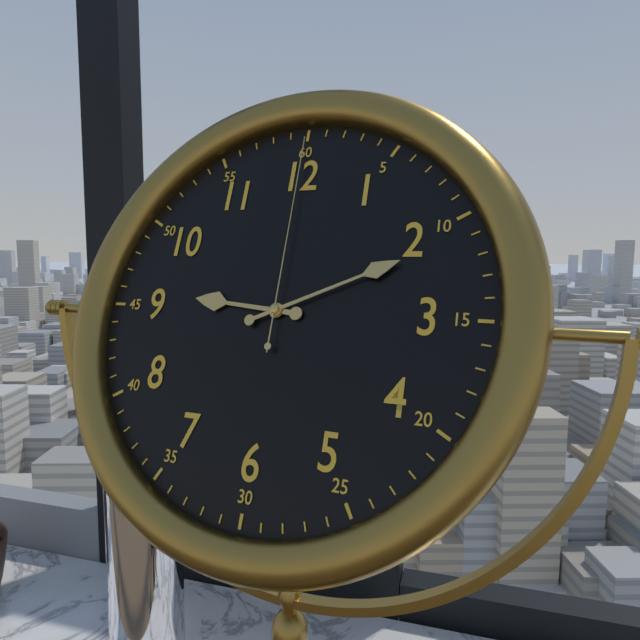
9:11:00
